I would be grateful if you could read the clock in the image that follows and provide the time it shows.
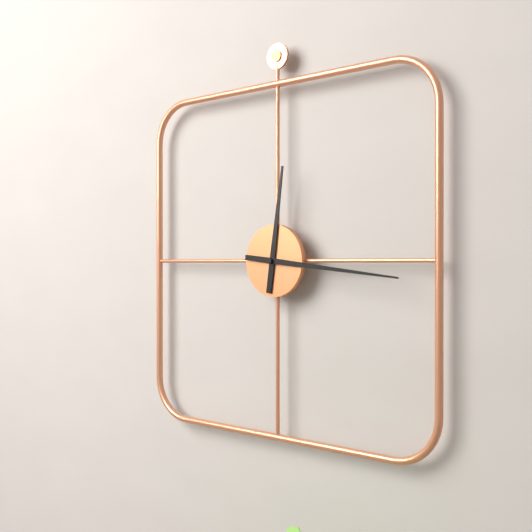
12:16
